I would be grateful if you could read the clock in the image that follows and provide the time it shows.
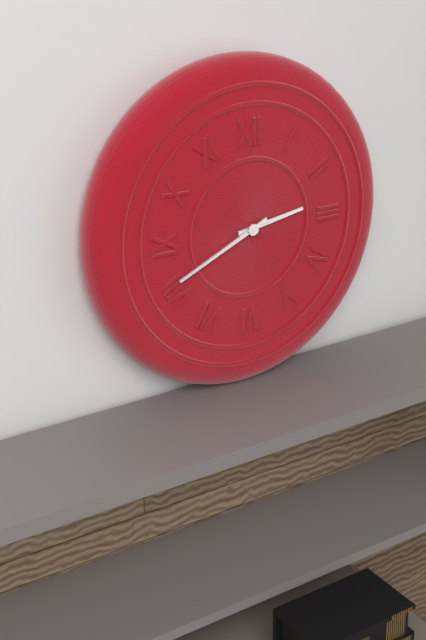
2:41
